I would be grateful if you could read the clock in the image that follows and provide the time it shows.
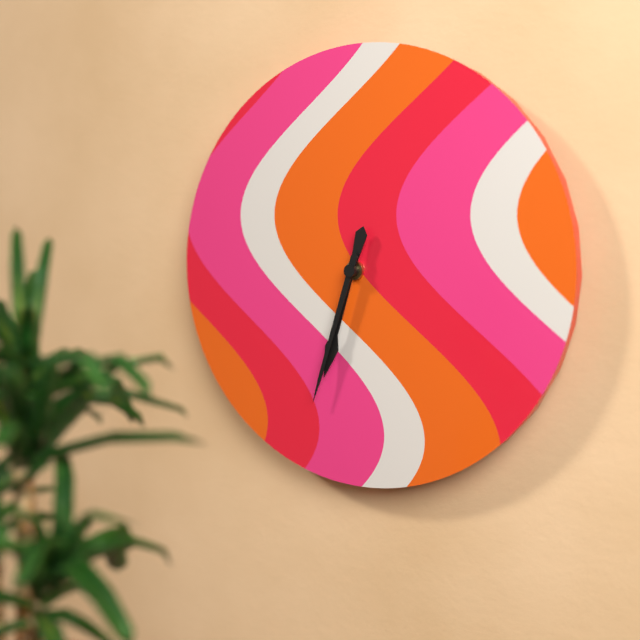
6:33
